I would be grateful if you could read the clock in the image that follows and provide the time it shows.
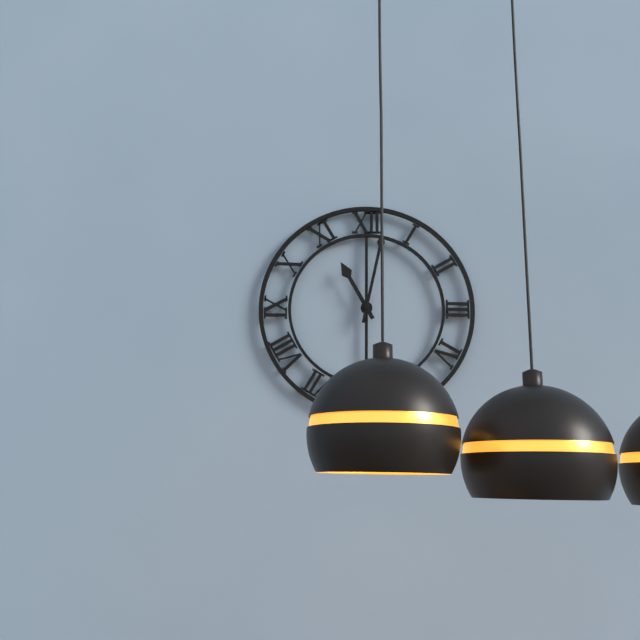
11:02
